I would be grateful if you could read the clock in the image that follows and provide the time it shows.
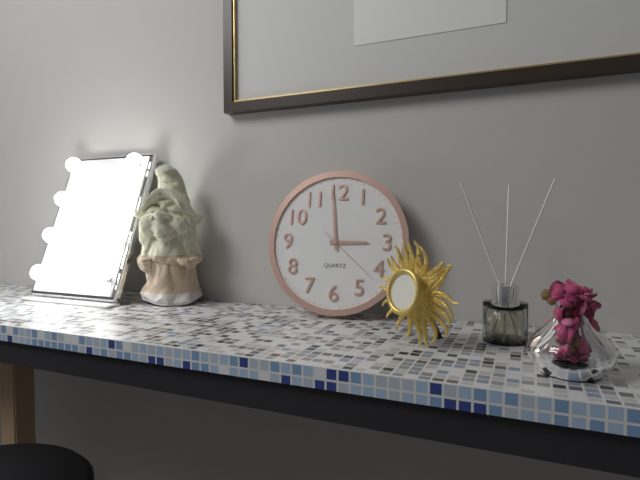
2:59:22
